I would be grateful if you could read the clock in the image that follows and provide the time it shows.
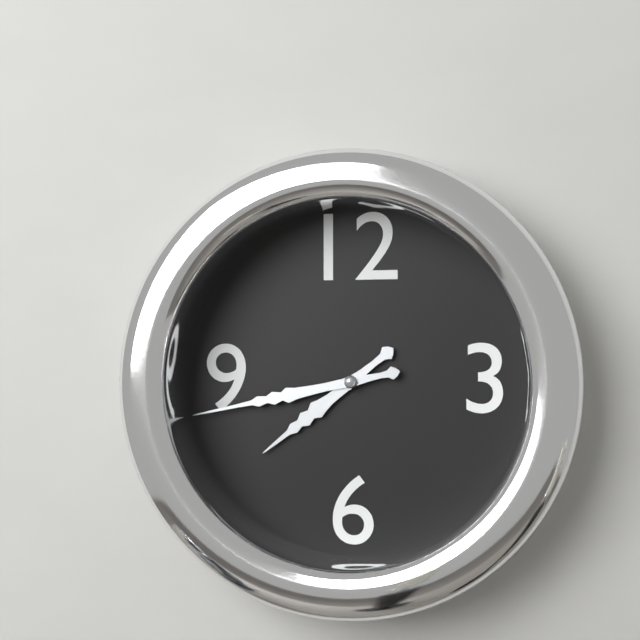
7:43
